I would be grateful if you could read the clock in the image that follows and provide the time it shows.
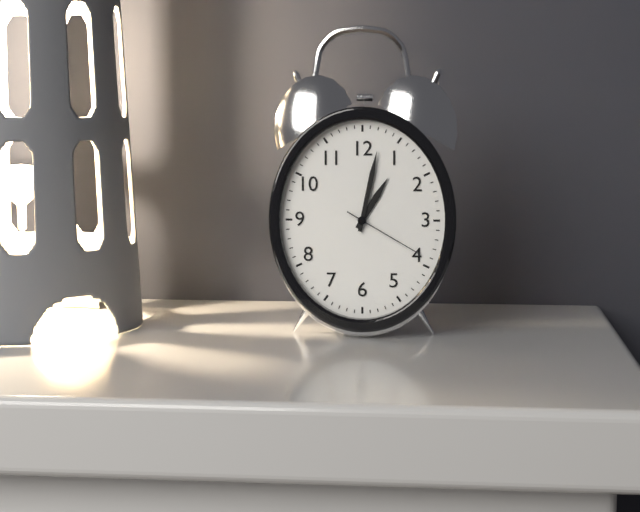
1:02:20
